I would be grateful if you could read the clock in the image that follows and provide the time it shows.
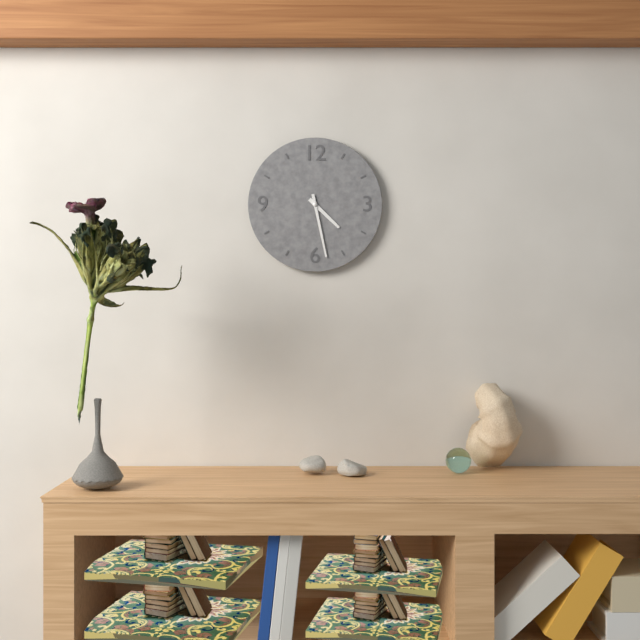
4:28
